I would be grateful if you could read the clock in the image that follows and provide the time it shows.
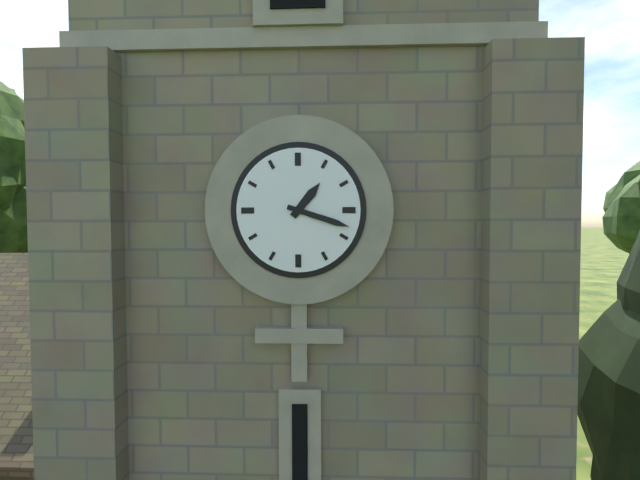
1:18
